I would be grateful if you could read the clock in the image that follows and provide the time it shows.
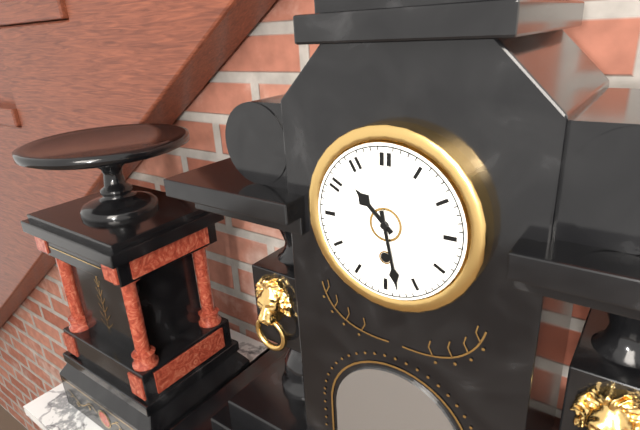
10:28
